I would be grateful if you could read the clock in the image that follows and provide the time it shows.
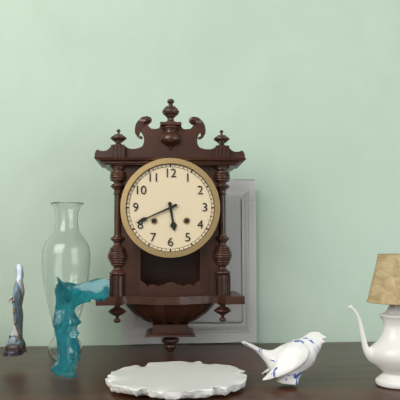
5:41
